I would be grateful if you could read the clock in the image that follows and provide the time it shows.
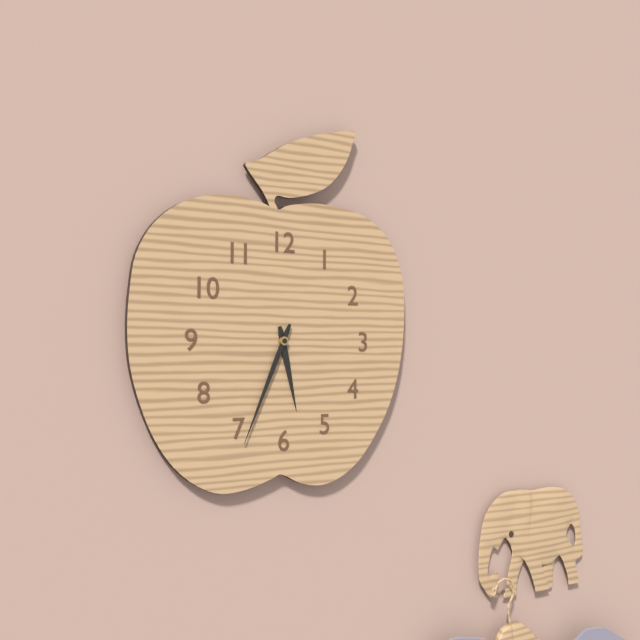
5:34
